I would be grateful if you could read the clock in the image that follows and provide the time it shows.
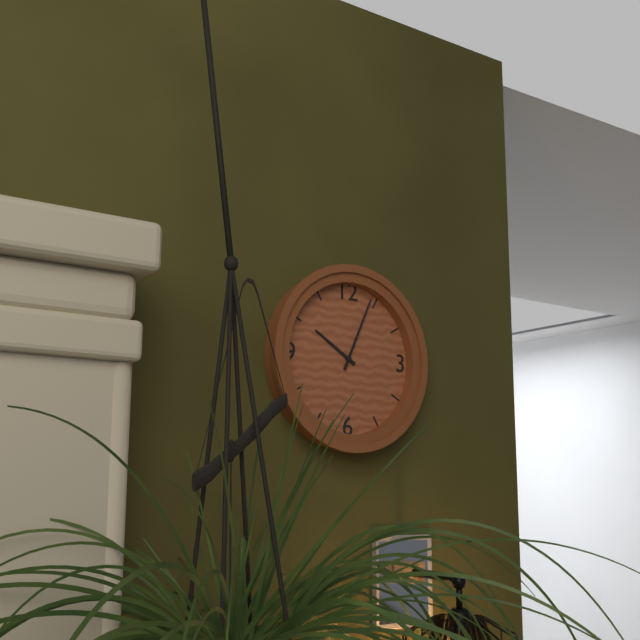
10:04
